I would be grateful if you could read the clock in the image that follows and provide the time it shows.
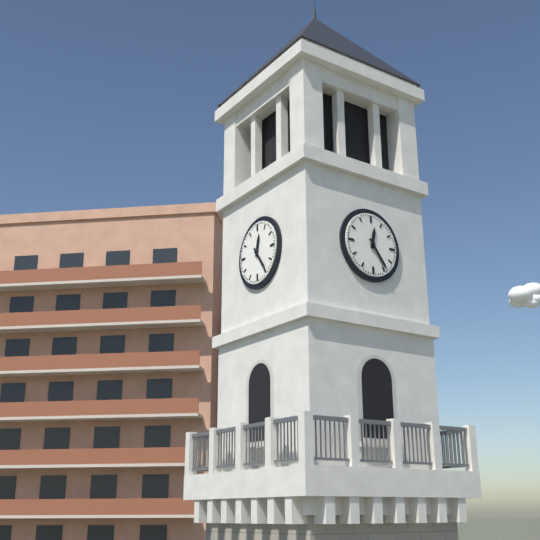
12:24
